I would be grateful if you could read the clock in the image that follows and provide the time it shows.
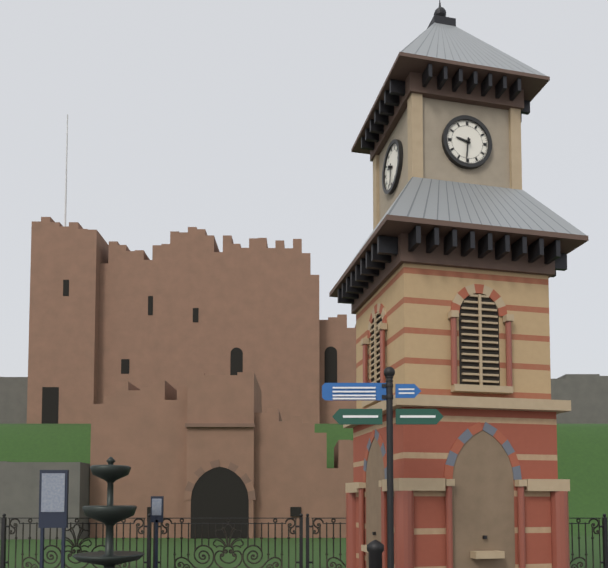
9:31
